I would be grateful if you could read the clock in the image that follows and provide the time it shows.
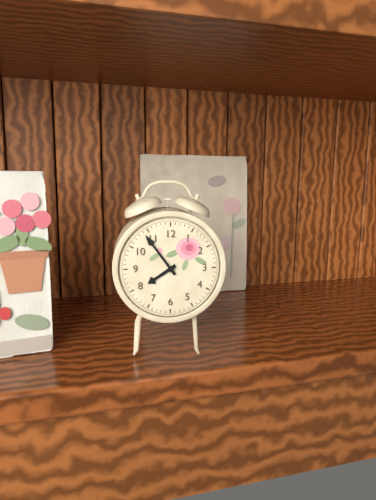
7:54
